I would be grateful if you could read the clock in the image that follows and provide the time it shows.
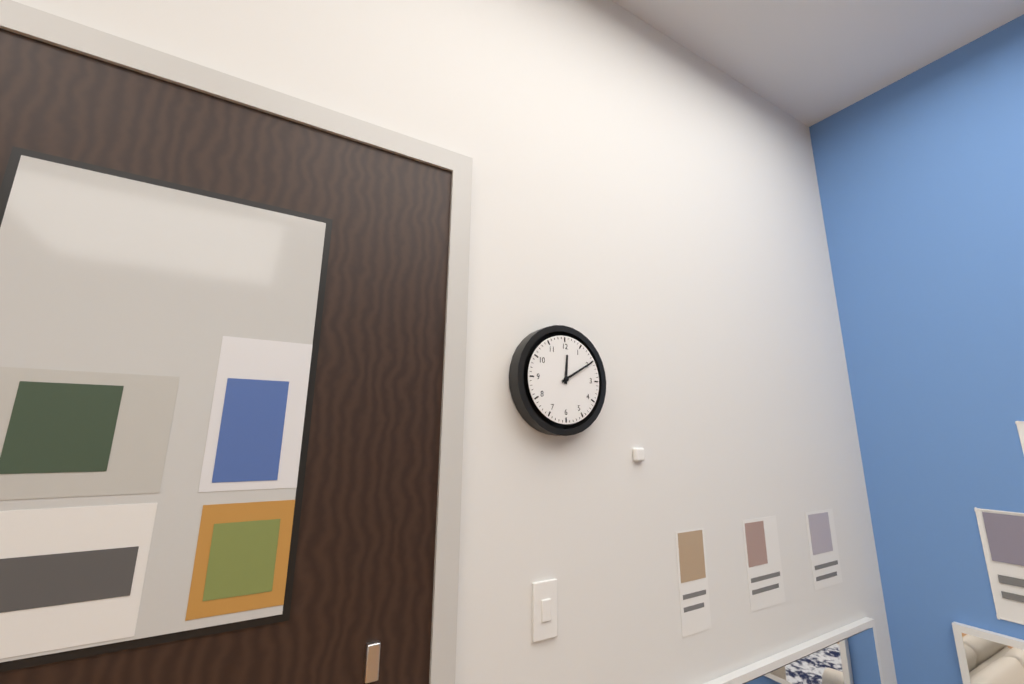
12:10
